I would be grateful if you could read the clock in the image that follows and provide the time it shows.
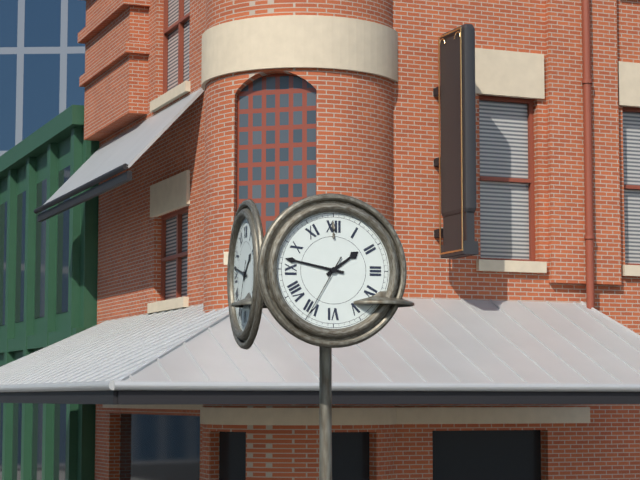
1:47:35
